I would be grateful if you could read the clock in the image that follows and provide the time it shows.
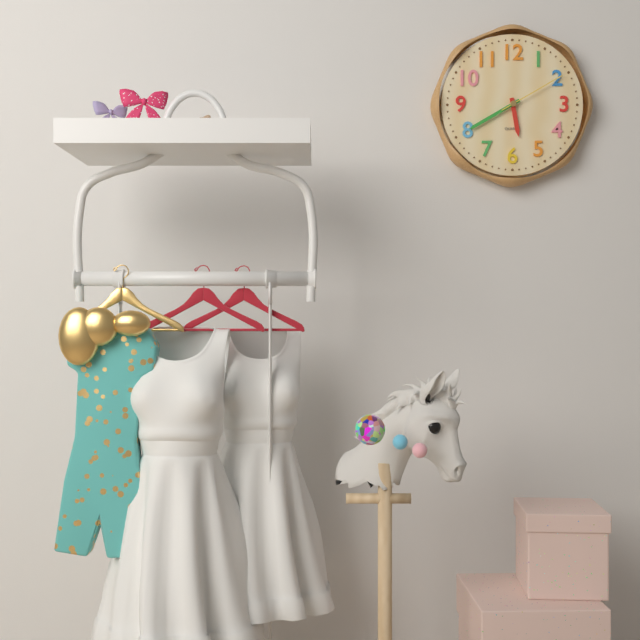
5:40:10
